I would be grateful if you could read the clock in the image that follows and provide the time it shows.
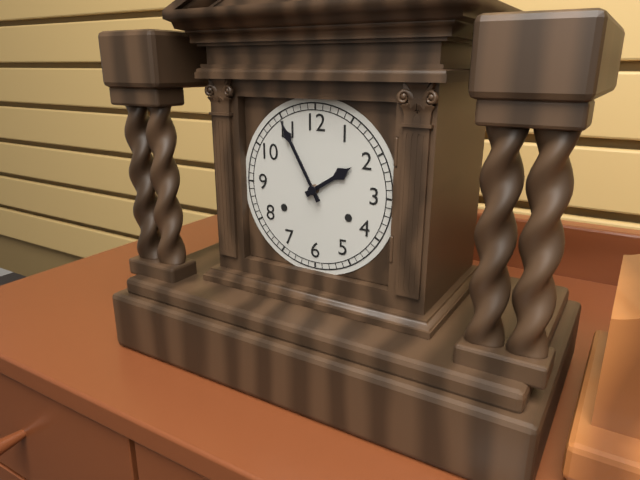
1:55
